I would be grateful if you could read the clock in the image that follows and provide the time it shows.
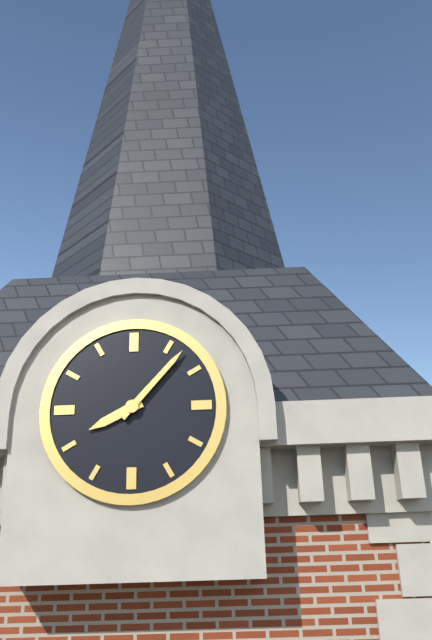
8:07
